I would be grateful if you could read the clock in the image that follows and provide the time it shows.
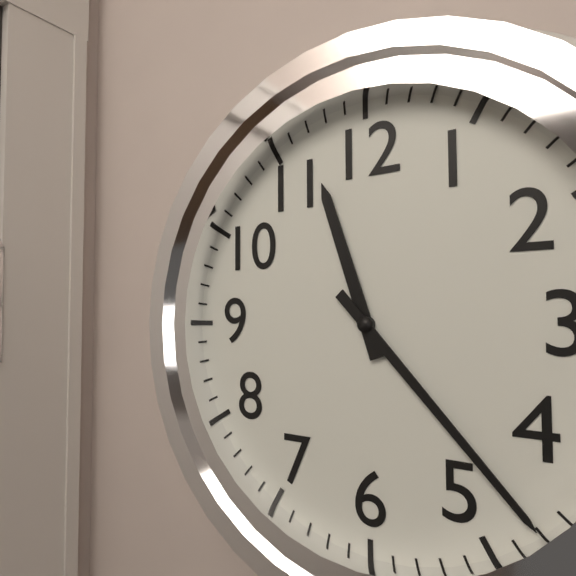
11:23
